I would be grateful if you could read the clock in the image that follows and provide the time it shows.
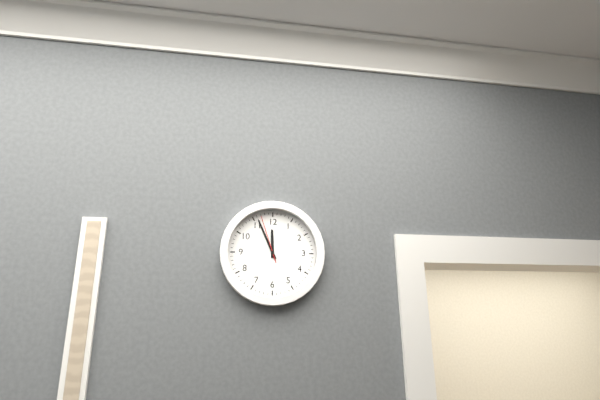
11:56
